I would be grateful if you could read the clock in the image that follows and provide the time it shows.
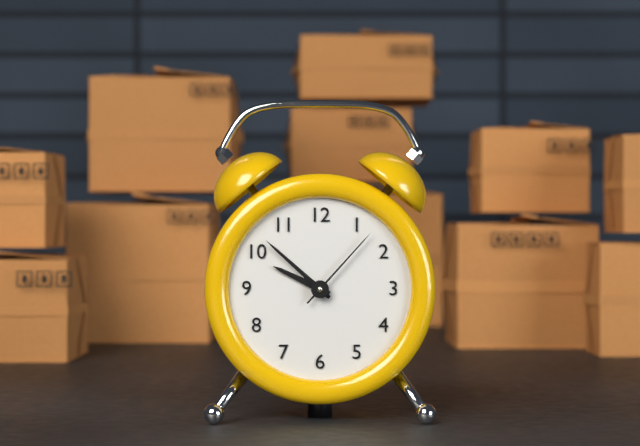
9:52:07
